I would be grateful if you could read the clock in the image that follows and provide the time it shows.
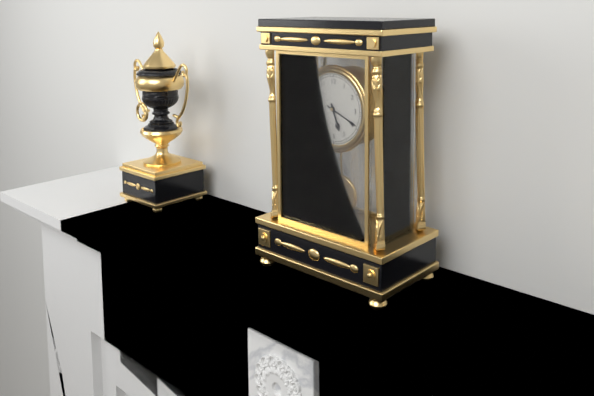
5:19
